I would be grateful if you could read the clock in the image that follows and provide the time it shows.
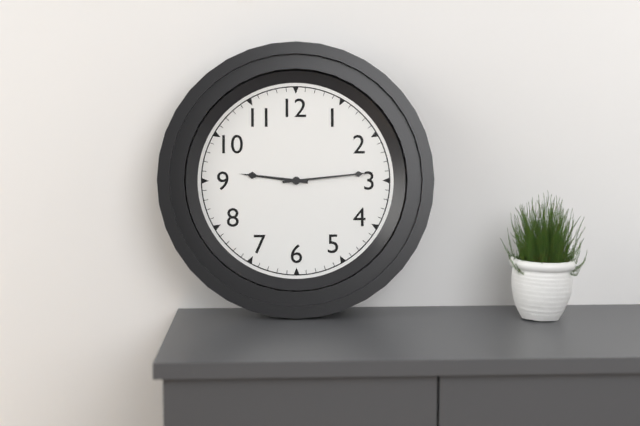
9:14
